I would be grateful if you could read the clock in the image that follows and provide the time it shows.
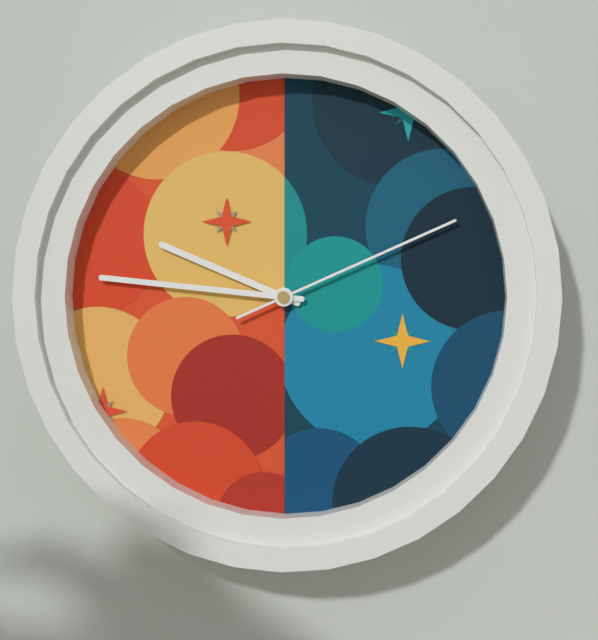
9:46:11
